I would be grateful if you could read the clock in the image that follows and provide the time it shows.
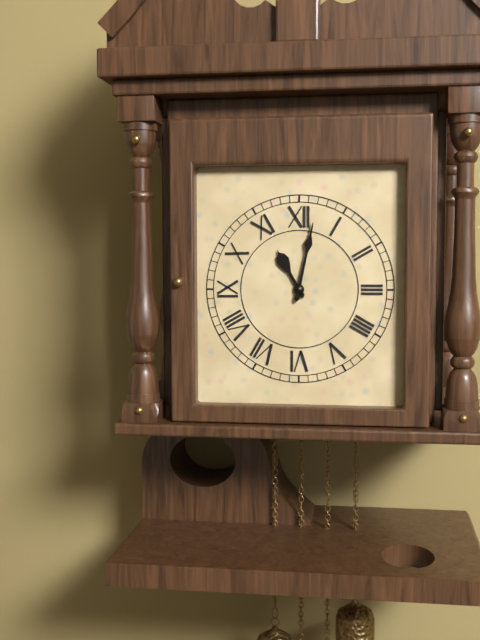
11:02
